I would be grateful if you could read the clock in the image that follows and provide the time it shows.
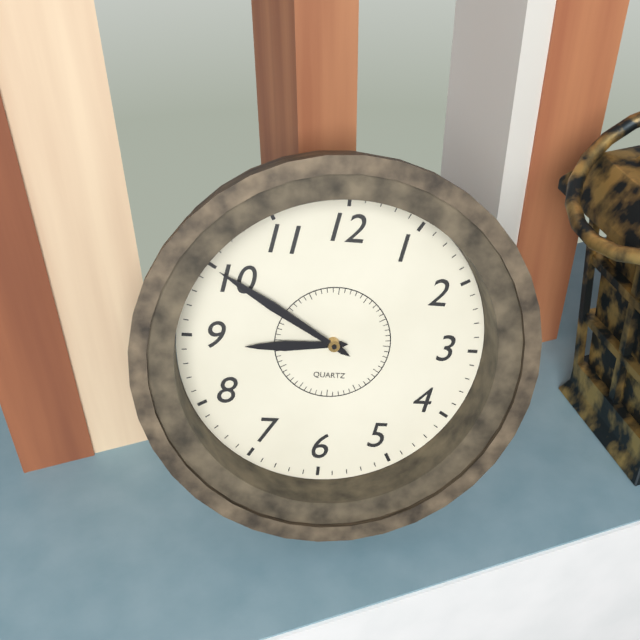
8:50
